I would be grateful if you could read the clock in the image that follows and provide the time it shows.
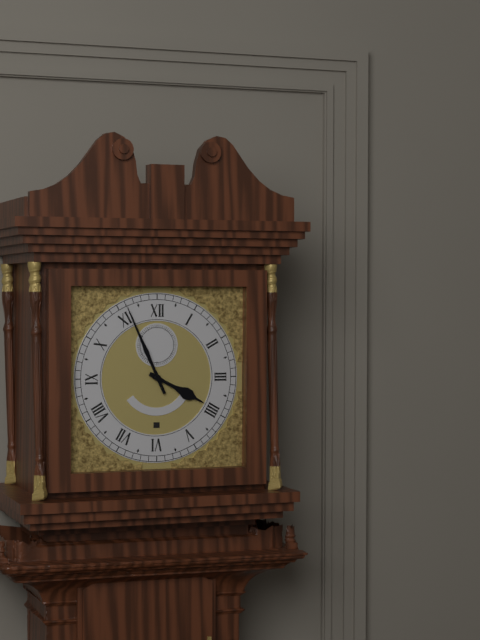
3:56
